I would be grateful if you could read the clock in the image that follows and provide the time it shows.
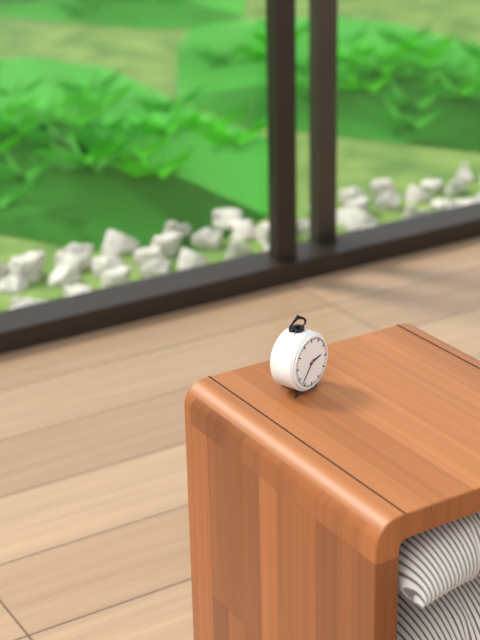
2:37
